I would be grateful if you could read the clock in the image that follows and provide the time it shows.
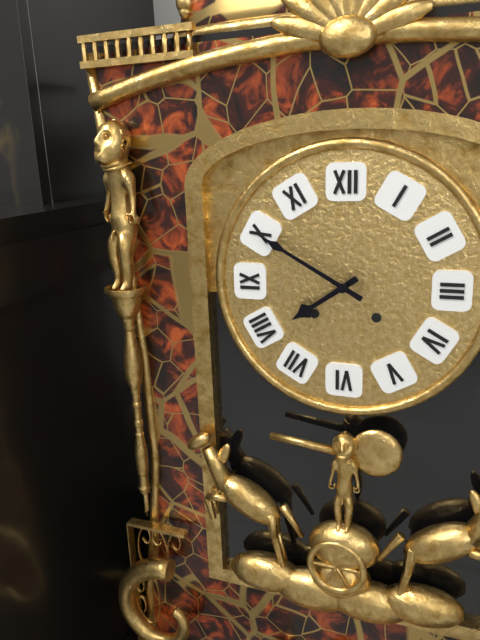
7:50
